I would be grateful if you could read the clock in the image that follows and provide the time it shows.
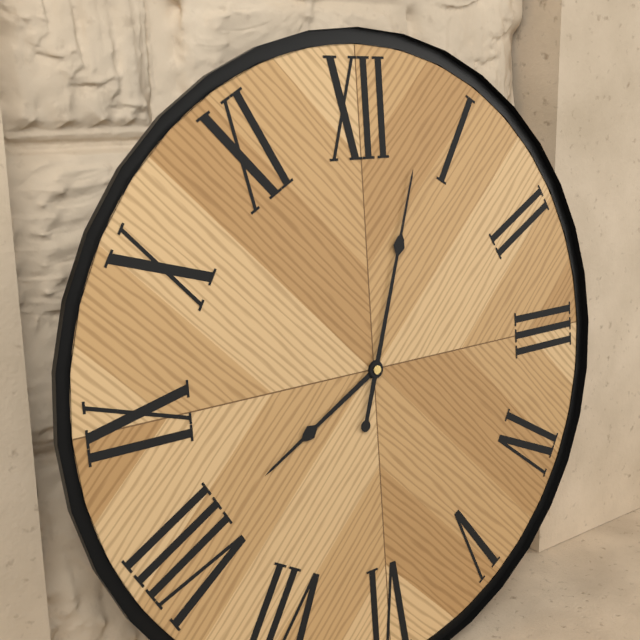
8:03
